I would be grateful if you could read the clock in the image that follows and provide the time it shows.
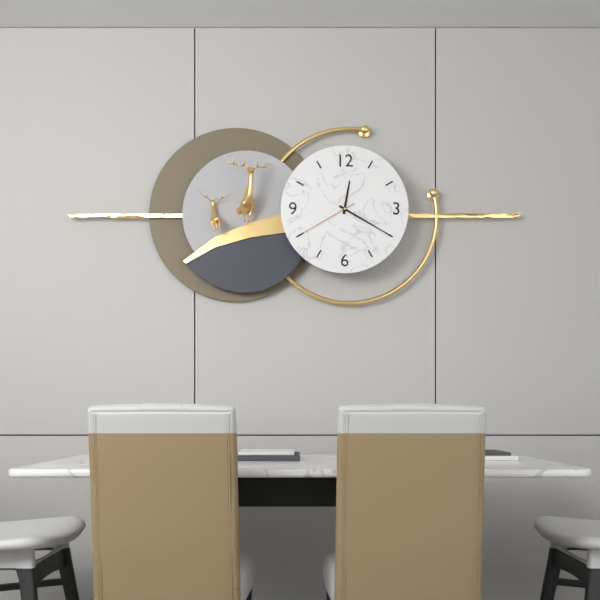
12:20:40
